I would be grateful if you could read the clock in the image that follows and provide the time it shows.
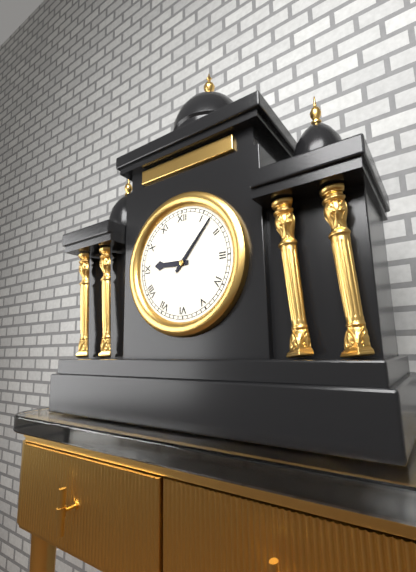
9:07
